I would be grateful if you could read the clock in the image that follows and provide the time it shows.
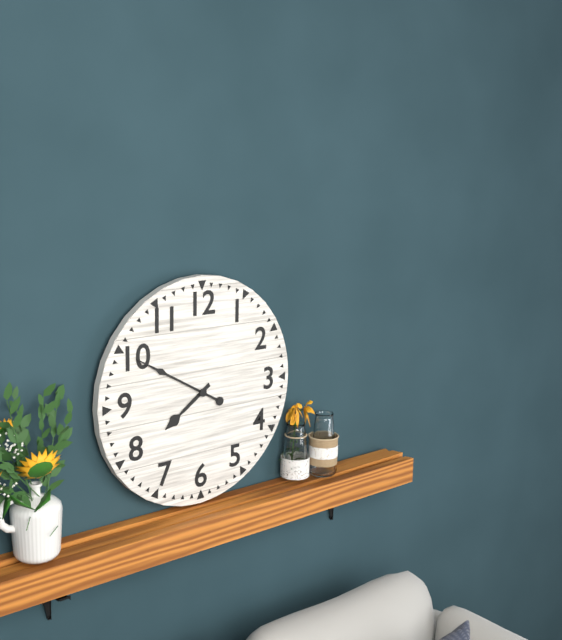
7:50
